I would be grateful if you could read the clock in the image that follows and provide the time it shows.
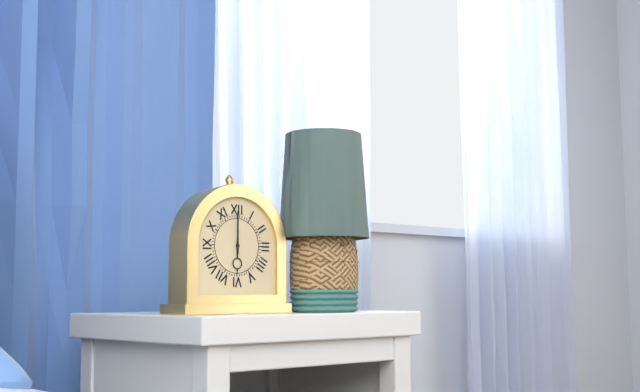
6:00
